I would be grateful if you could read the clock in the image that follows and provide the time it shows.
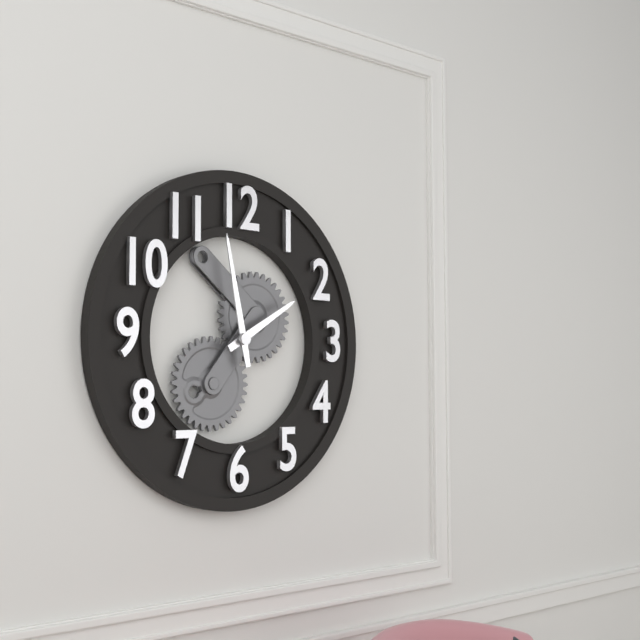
1:58
